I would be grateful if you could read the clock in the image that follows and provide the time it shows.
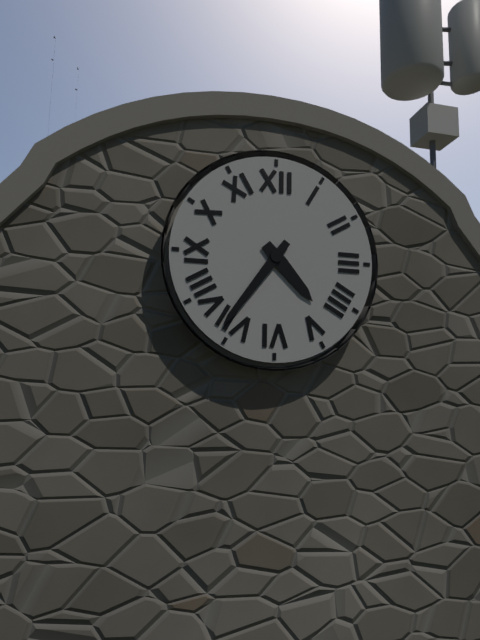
4:36
